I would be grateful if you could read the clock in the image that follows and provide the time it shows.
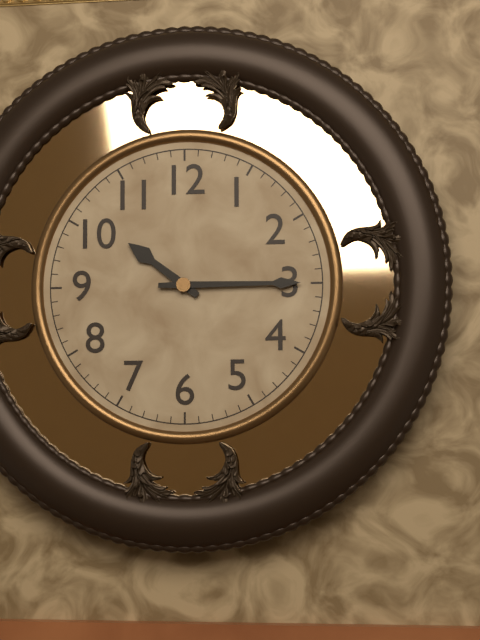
10:15
